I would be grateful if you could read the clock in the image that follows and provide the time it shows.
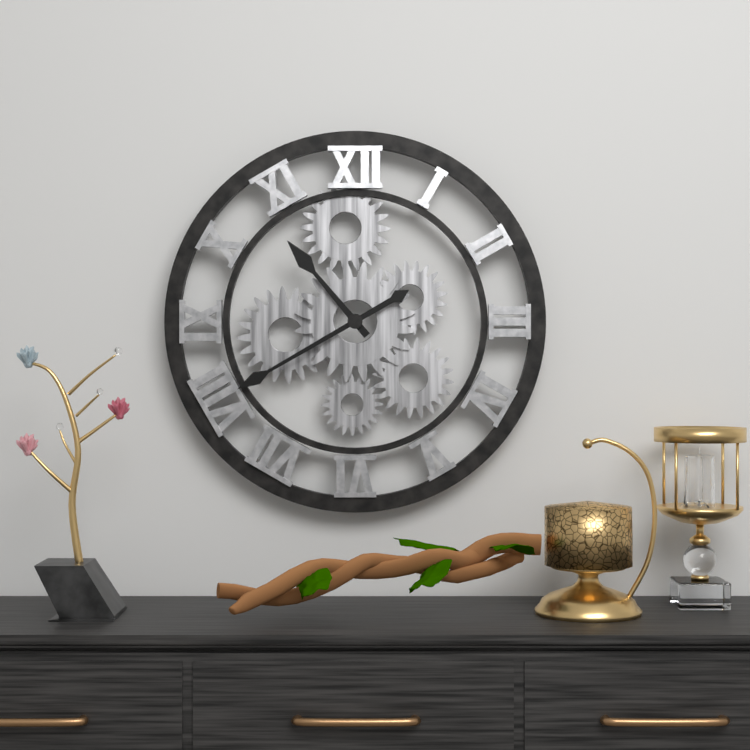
10:40
